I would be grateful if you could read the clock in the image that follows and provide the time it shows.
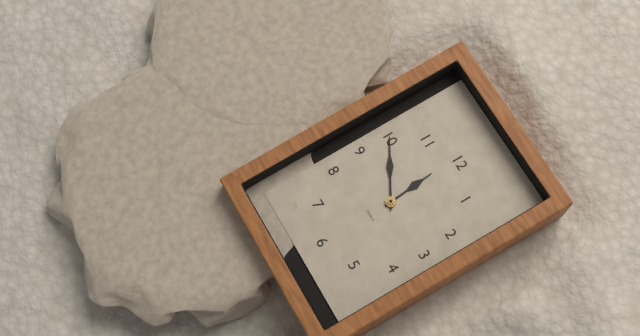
11:50
